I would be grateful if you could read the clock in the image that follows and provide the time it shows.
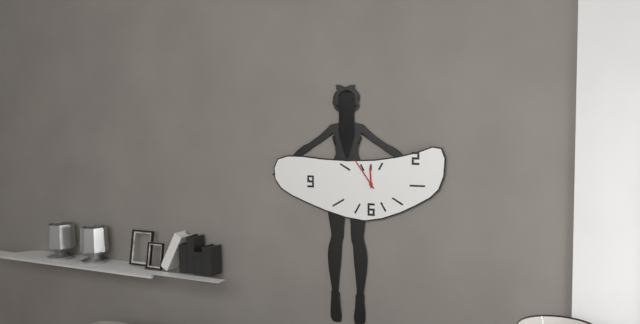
11:54
